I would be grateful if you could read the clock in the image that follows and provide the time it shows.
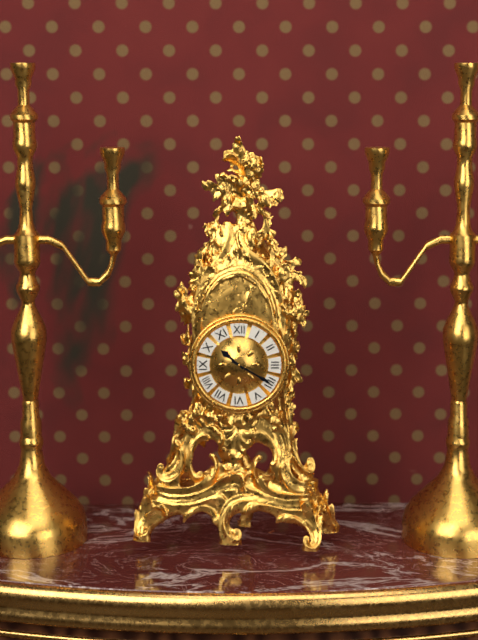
10:20
